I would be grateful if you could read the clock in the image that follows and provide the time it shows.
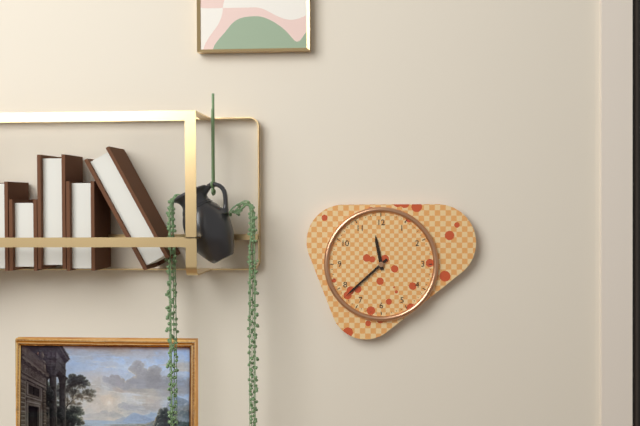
11:38
